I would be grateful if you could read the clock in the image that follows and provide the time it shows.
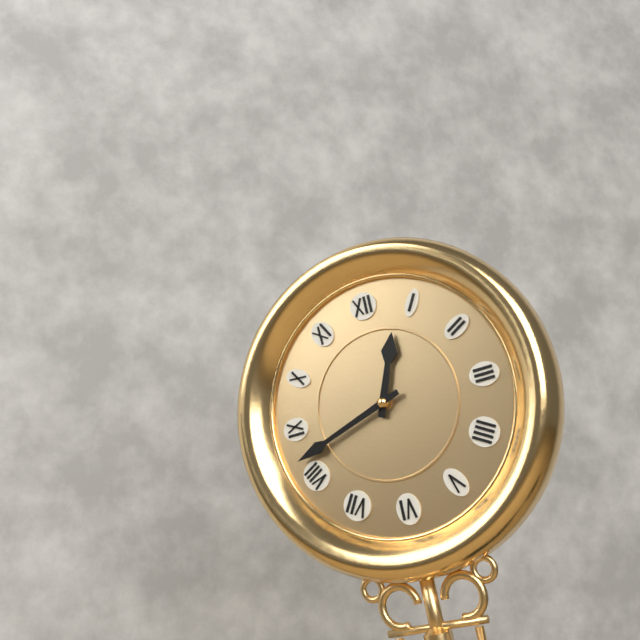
12:42
